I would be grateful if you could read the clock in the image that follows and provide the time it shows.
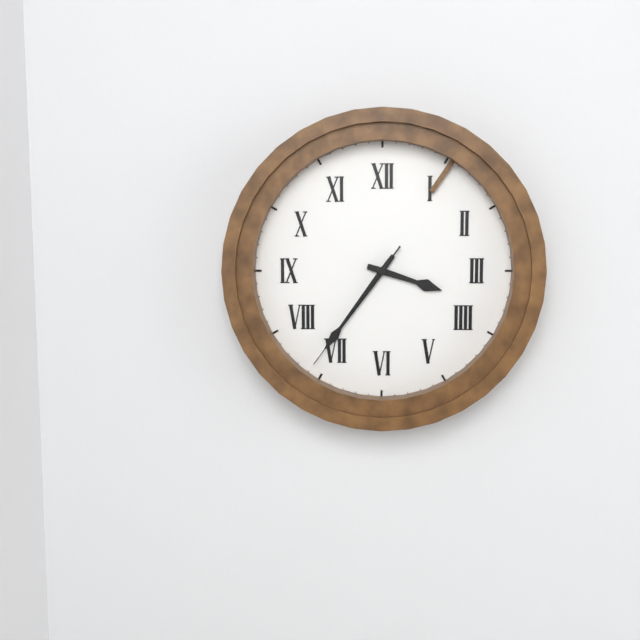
3:36:36
